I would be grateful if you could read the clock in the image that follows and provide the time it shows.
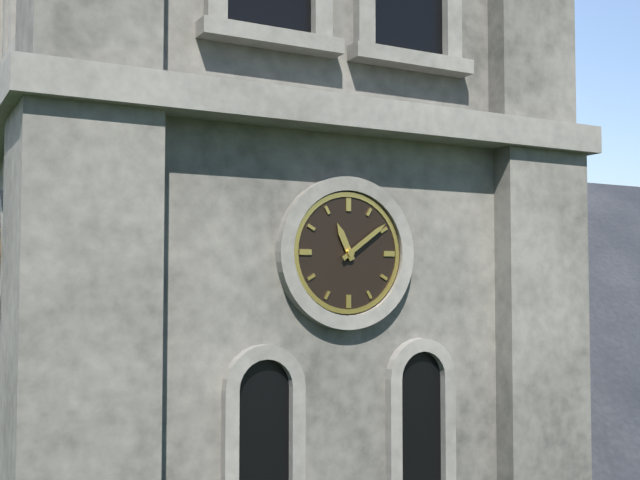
11:09
